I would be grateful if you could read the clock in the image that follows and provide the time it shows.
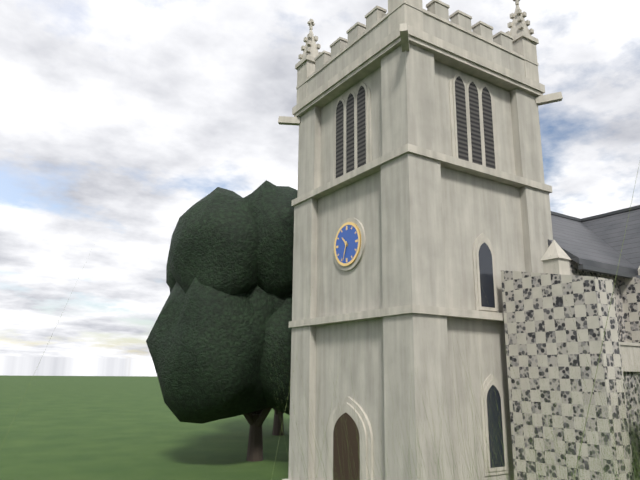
10:33
